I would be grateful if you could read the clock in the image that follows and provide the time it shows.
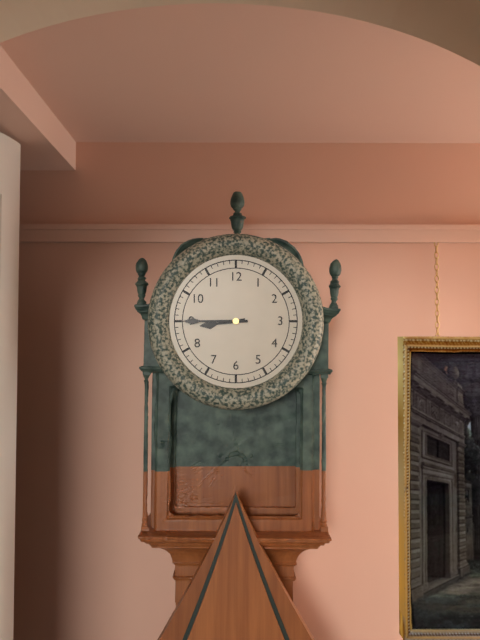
8:45
